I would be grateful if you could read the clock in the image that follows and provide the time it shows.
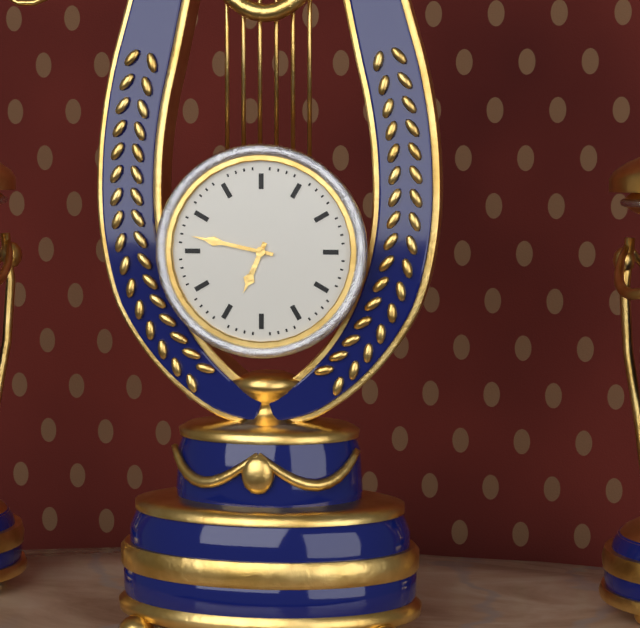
6:47
